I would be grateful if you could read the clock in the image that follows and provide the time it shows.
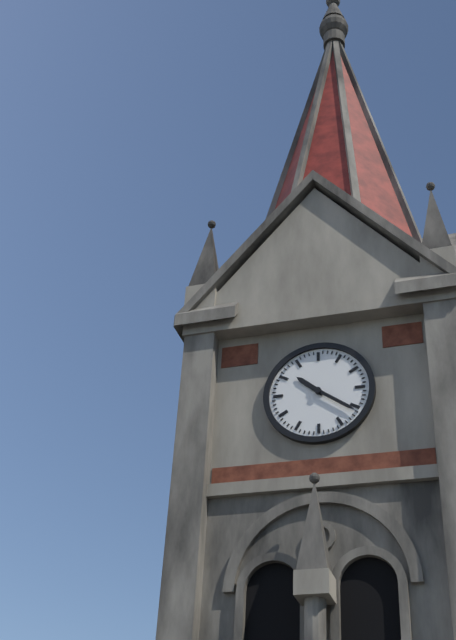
10:21
